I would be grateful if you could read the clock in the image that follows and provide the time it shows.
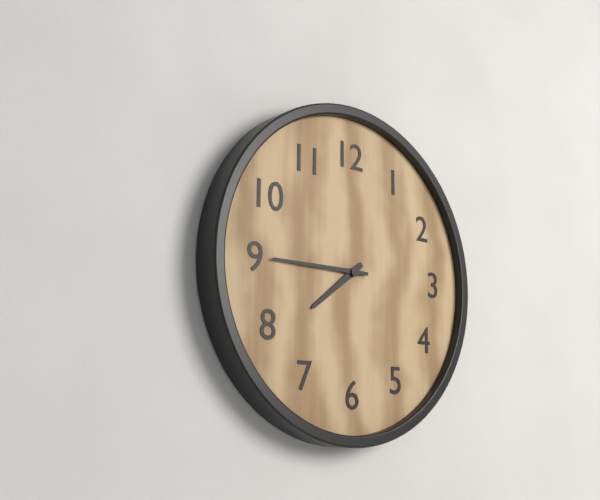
7:45
